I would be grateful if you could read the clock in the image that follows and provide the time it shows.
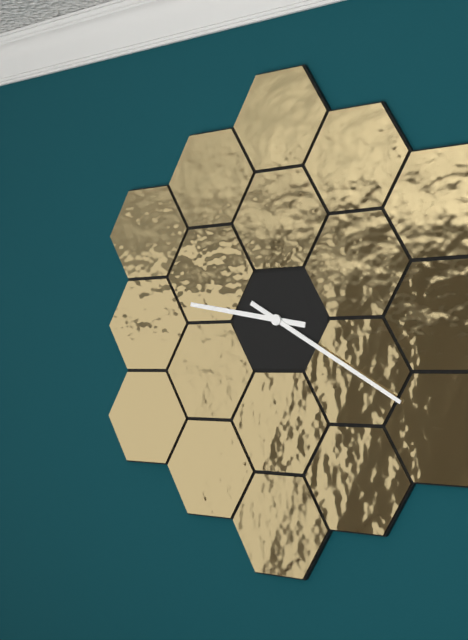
9:20
